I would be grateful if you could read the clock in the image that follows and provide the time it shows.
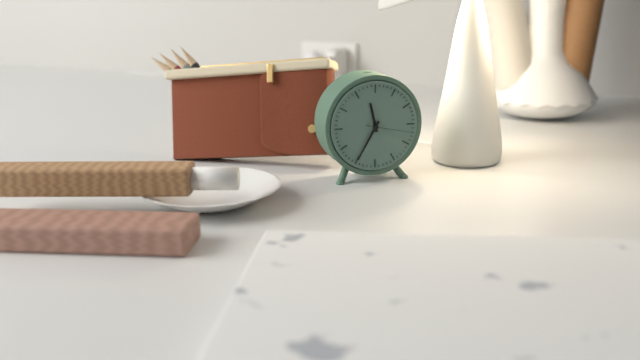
11:35
